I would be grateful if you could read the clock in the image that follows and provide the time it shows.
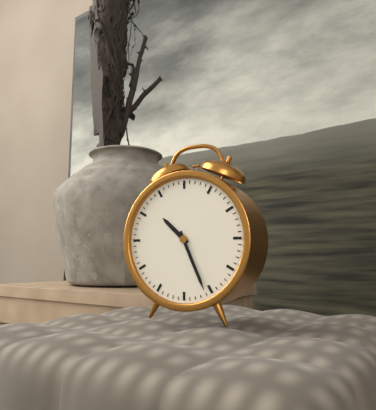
10:26
